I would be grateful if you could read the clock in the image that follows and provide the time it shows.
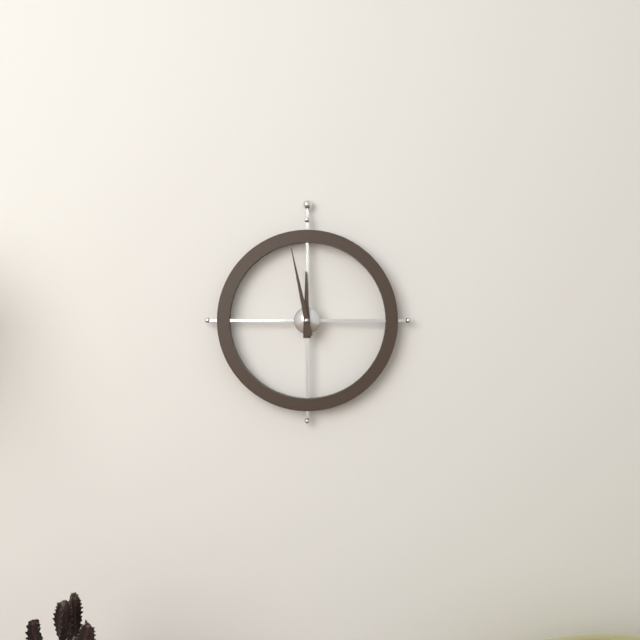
11:58
